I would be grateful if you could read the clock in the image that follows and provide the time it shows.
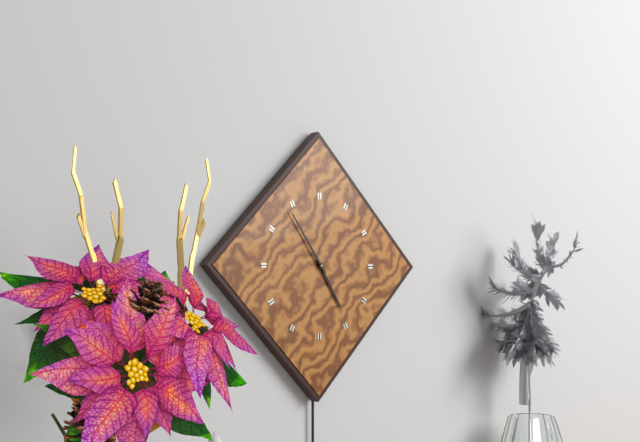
4:54
